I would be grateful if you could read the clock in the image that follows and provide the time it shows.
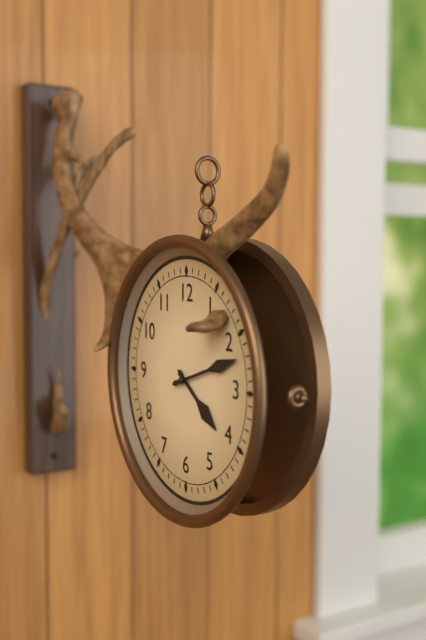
4:12
